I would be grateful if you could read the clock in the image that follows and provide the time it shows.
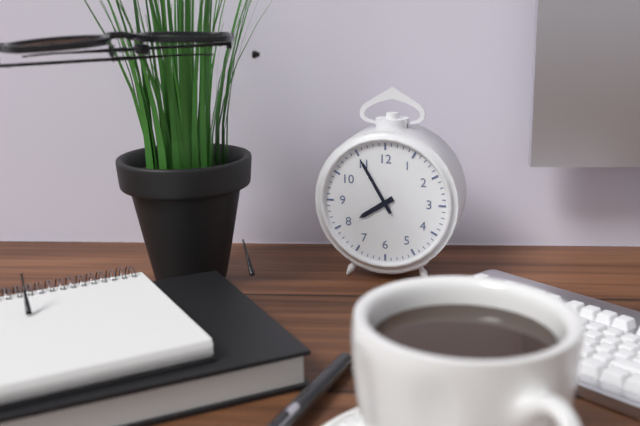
7:55
